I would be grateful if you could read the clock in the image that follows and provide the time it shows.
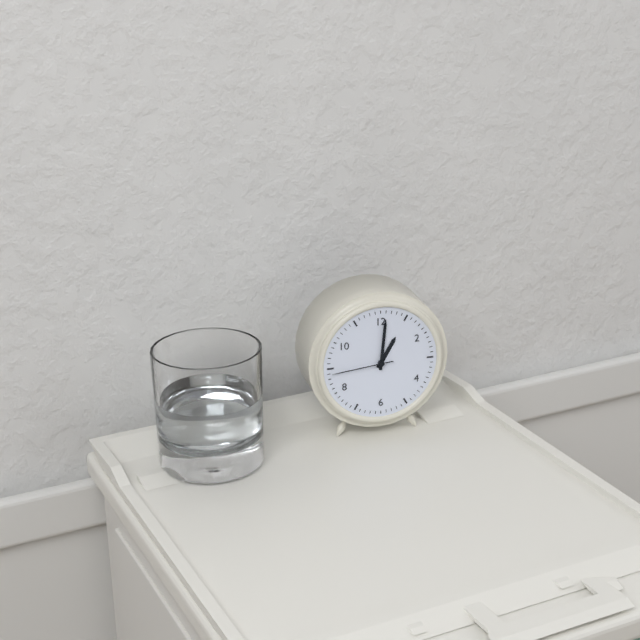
1:01:44
